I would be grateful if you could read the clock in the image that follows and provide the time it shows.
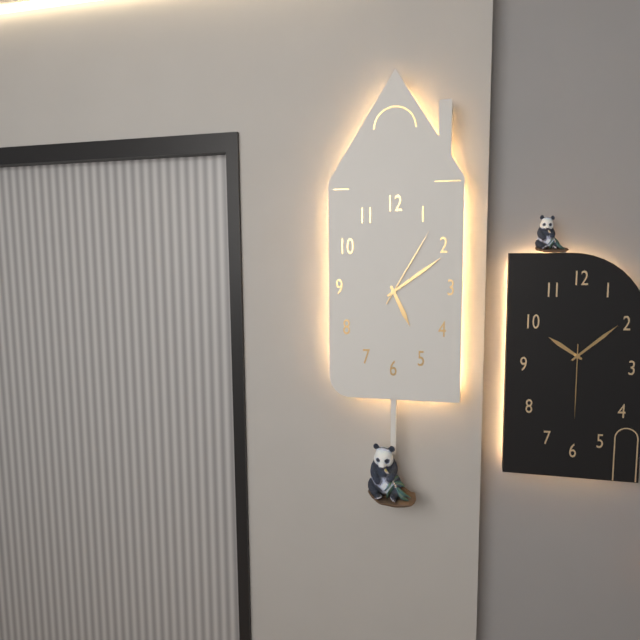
5:09:05
